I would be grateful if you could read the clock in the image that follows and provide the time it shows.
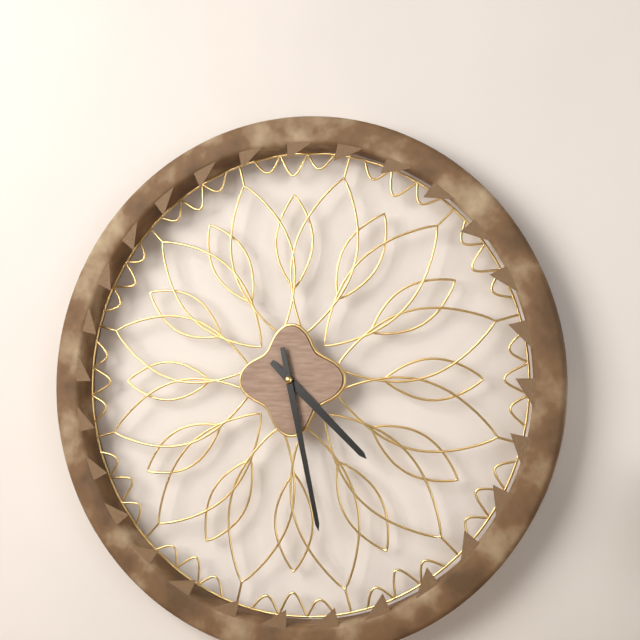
4:28
